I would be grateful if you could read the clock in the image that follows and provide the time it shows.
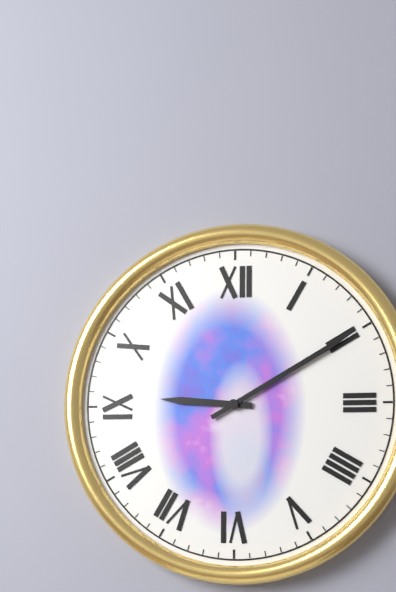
9:10
